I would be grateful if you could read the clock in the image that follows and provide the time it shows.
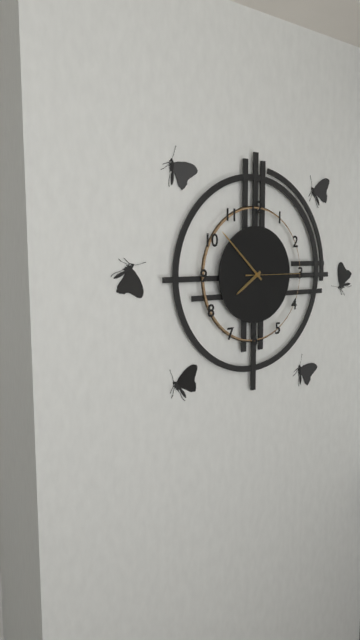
7:52:15
